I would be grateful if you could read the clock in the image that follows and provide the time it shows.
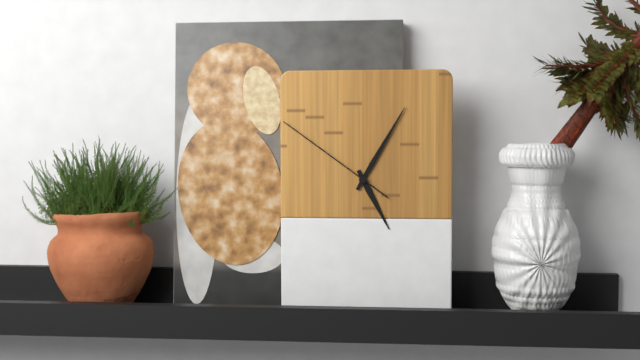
5:05:51
